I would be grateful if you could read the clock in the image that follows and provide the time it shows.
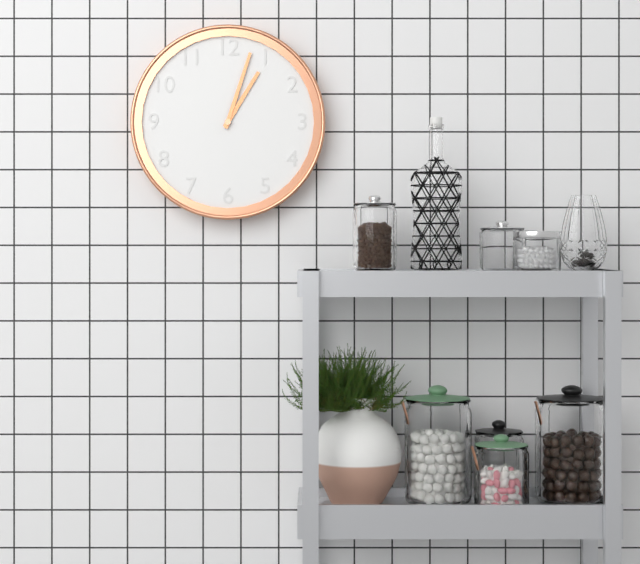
1:03
